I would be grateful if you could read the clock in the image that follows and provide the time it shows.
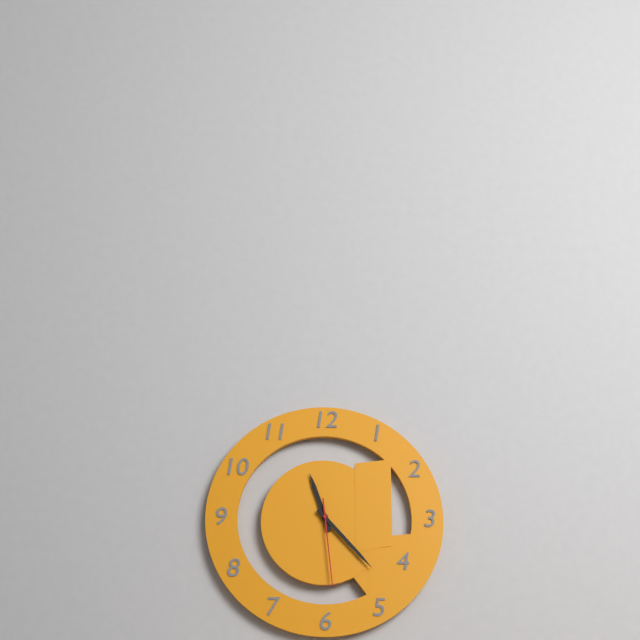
11:23:29
